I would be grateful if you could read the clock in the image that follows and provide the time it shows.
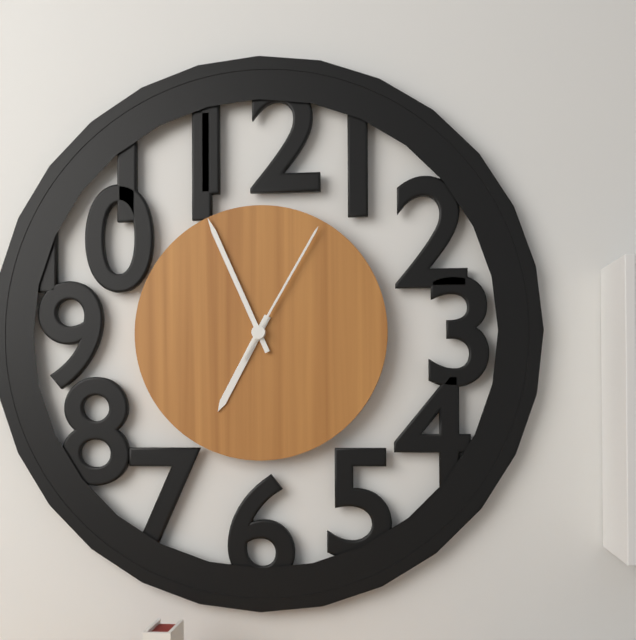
6:56:05
